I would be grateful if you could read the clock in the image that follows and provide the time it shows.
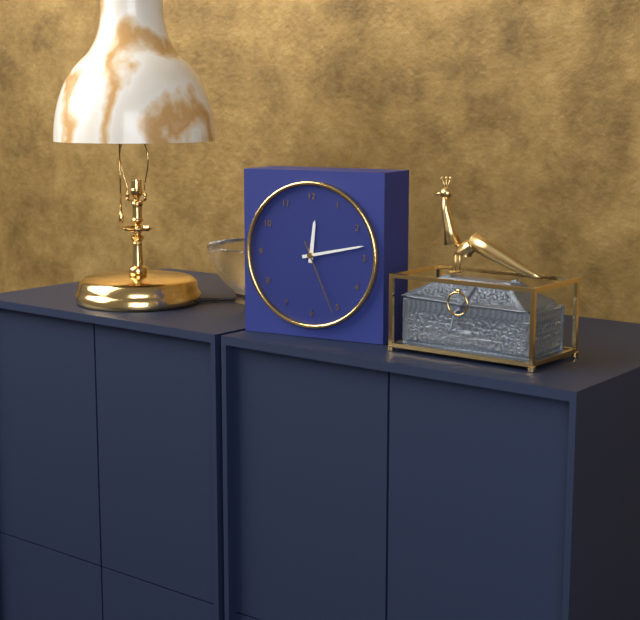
12:13:26
